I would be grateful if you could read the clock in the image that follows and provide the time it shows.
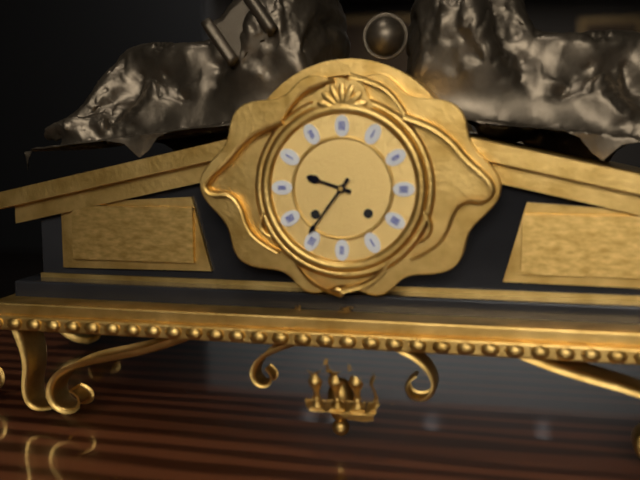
9:36
